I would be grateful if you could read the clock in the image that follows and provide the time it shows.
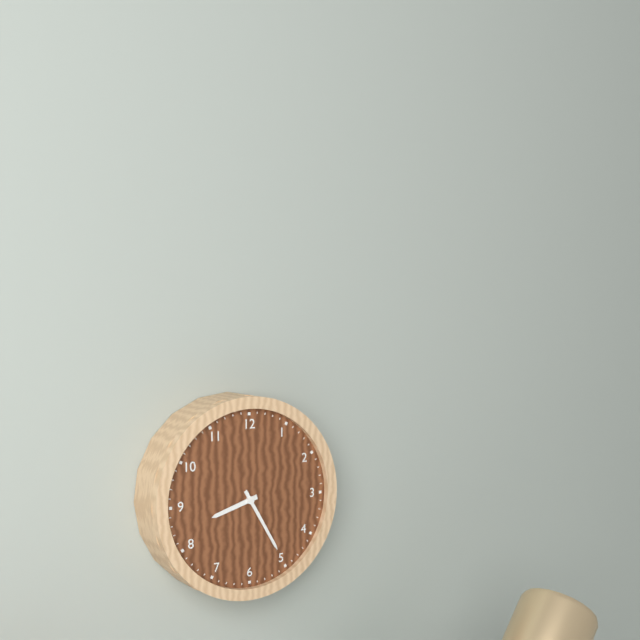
8:25
